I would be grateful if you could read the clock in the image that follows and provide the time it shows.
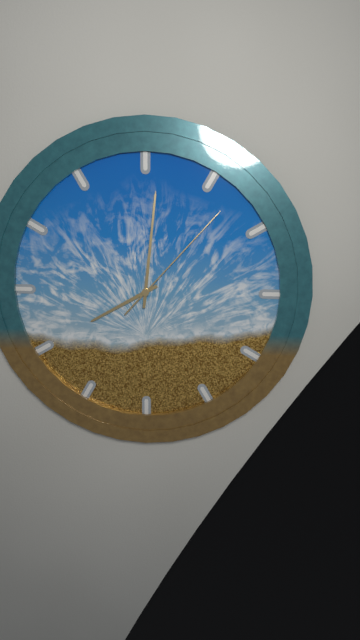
8:01:07
